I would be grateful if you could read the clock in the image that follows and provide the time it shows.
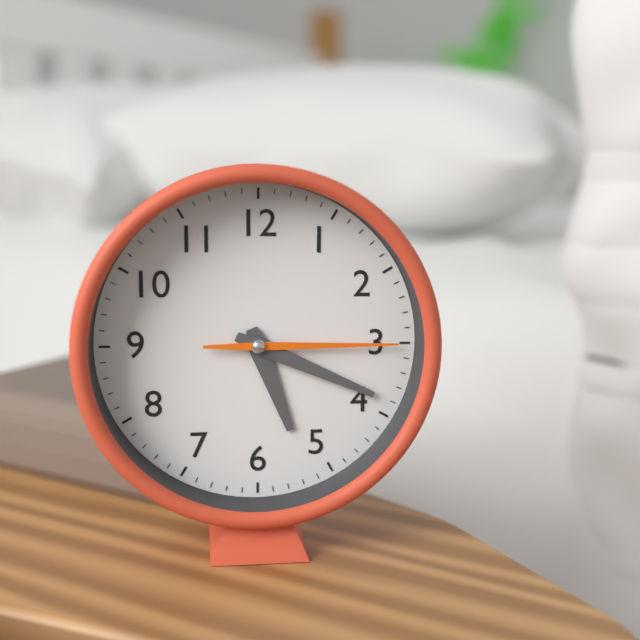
5:19:15
